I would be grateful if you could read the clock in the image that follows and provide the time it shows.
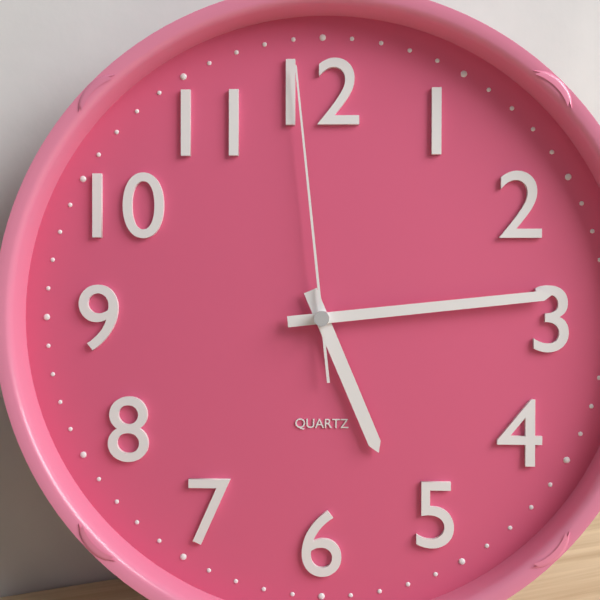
5:14:59
